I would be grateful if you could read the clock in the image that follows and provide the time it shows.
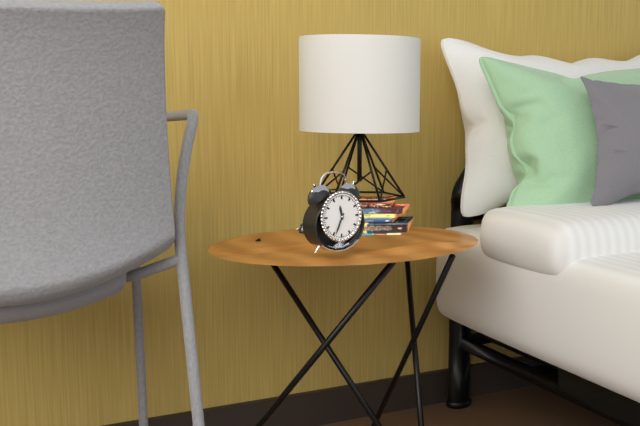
11:34
